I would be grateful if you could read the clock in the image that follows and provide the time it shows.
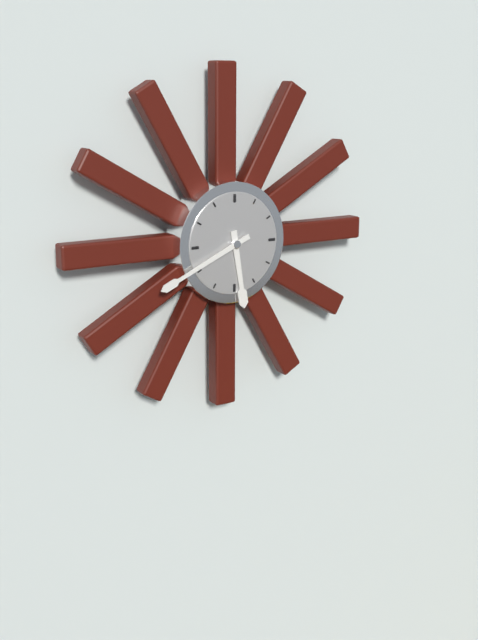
5:41
